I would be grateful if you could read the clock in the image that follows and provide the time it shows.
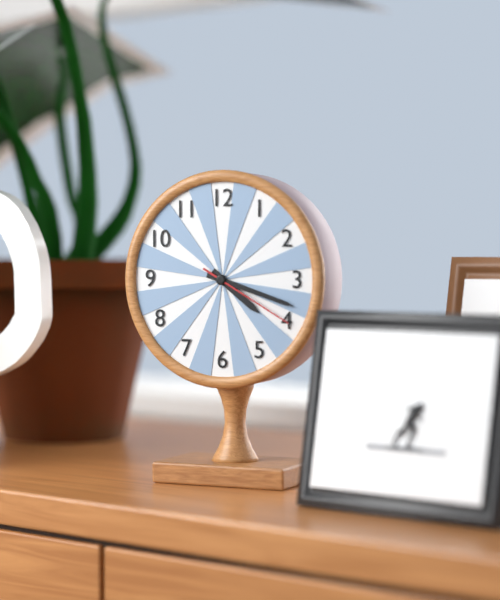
4:18:20
